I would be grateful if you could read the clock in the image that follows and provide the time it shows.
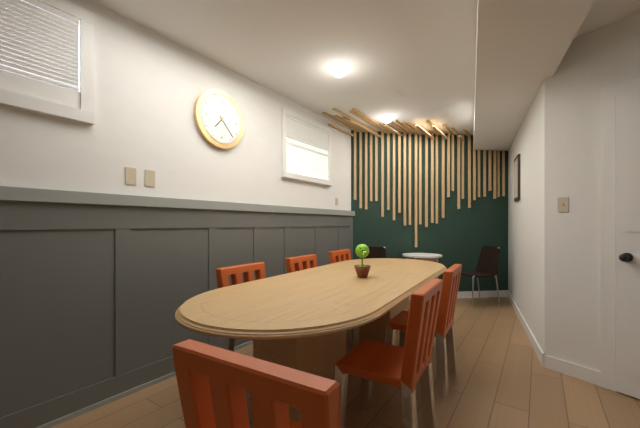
7:23
